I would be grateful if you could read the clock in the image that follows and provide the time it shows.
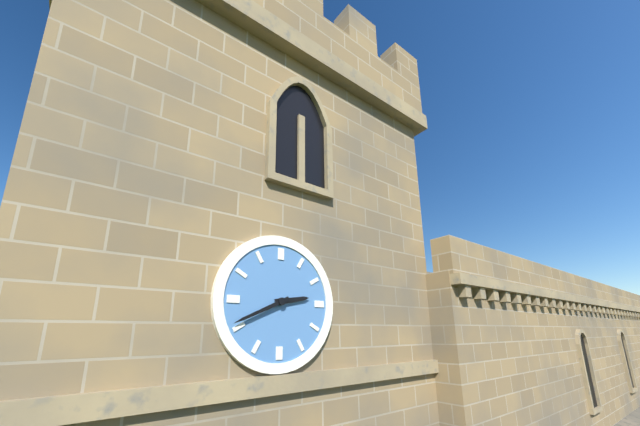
2:41
